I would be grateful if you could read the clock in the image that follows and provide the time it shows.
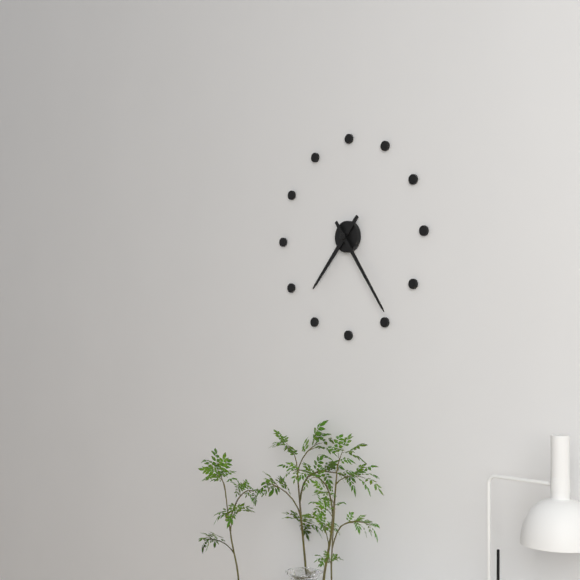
7:24
